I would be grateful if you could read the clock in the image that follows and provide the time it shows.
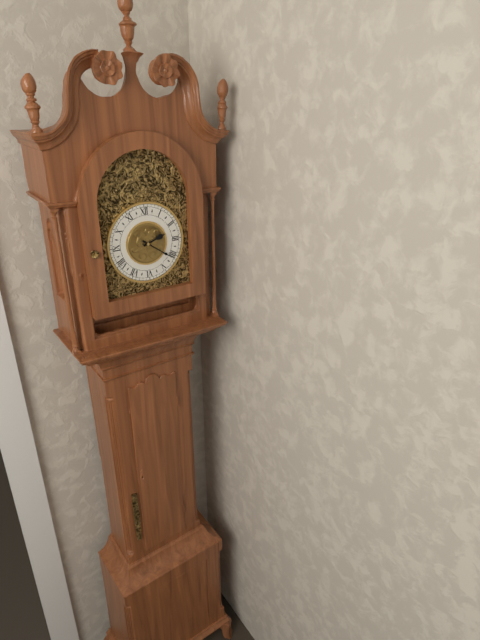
2:21
